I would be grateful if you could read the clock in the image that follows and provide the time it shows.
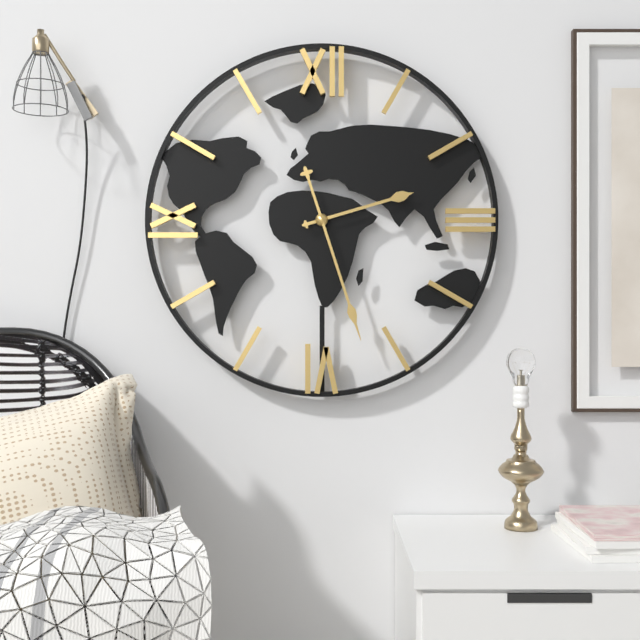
2:27
